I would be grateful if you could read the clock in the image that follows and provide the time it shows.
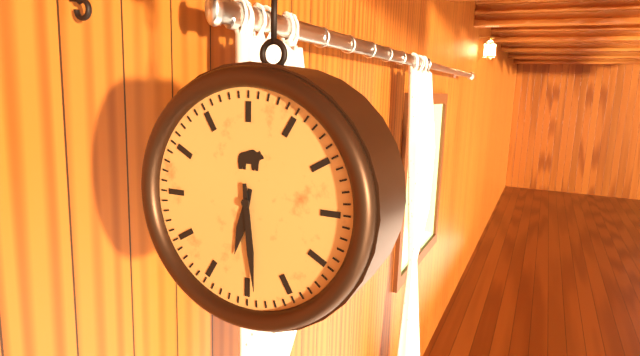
6:29
